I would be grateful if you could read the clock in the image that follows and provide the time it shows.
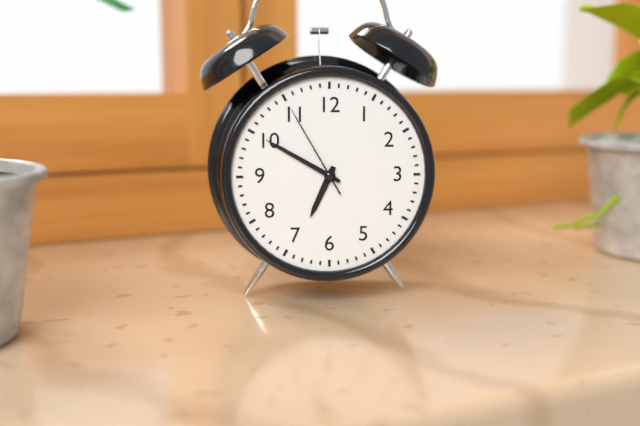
6:50:55
